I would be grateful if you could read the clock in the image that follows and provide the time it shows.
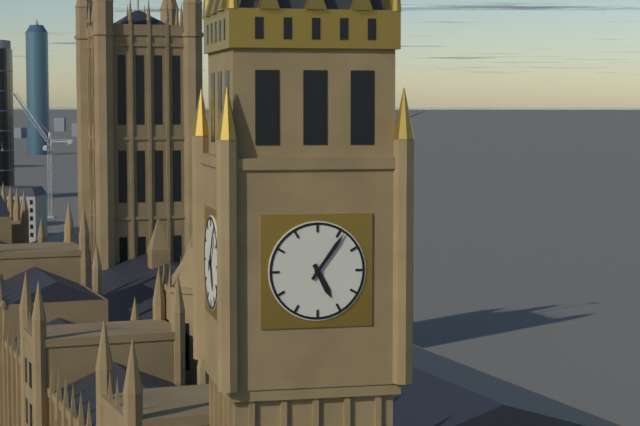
5:06
